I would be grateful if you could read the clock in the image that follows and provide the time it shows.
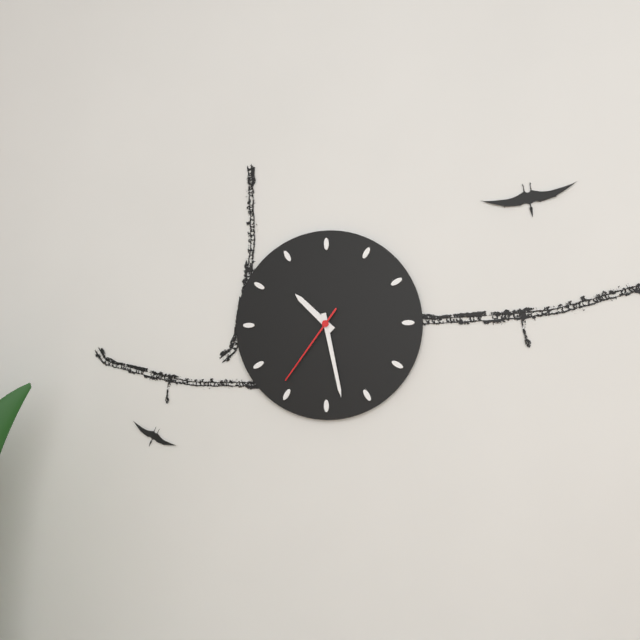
10:28:36
